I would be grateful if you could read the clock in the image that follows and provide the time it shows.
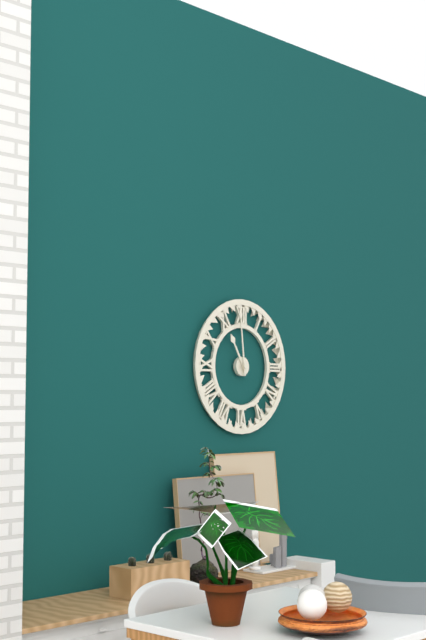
10:59
